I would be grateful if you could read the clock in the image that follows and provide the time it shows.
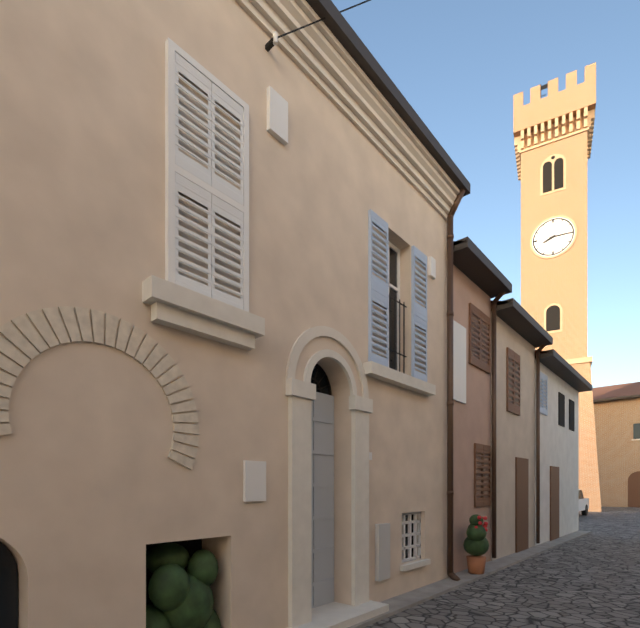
8:15
